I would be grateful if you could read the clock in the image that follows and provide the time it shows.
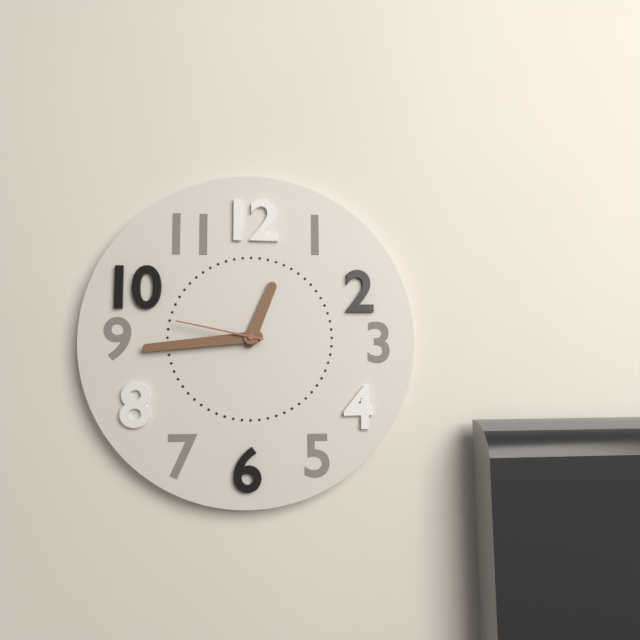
12:44:47
